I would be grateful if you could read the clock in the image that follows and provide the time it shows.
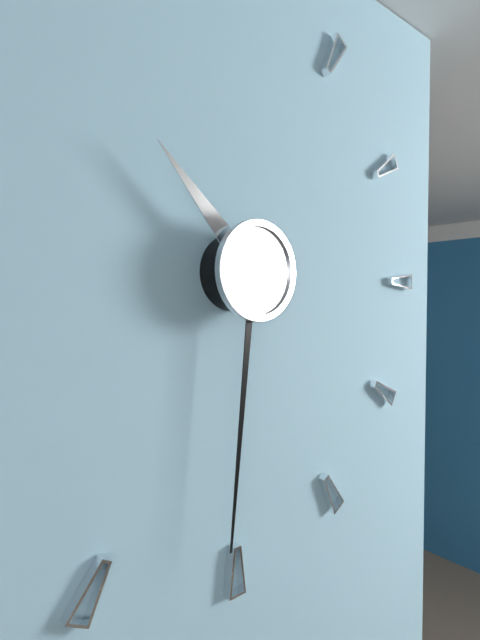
10:31
